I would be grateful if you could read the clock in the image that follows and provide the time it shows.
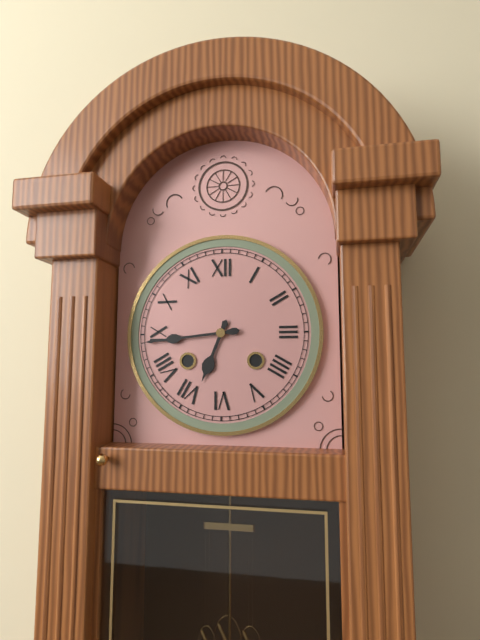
6:44
